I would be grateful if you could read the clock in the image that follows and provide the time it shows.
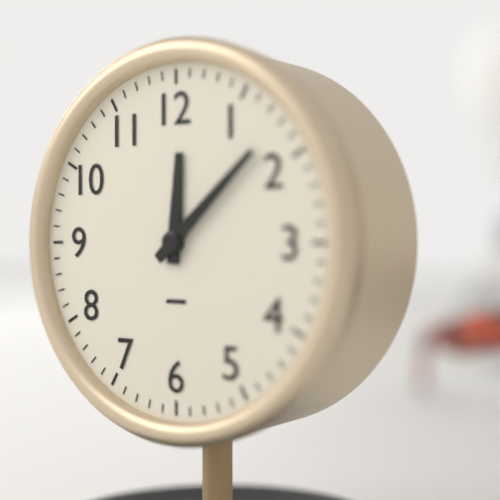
12:08
